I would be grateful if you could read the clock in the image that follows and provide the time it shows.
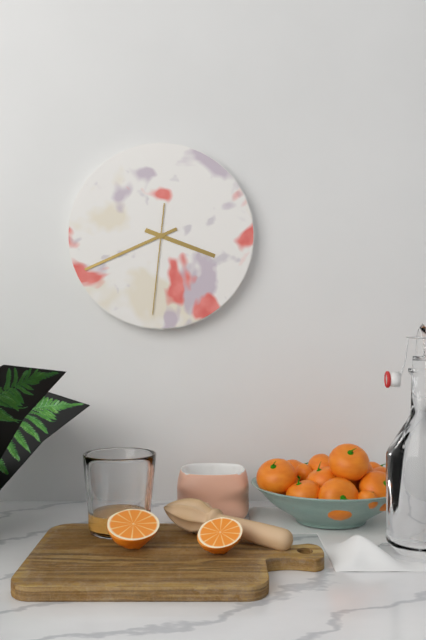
3:41:31
